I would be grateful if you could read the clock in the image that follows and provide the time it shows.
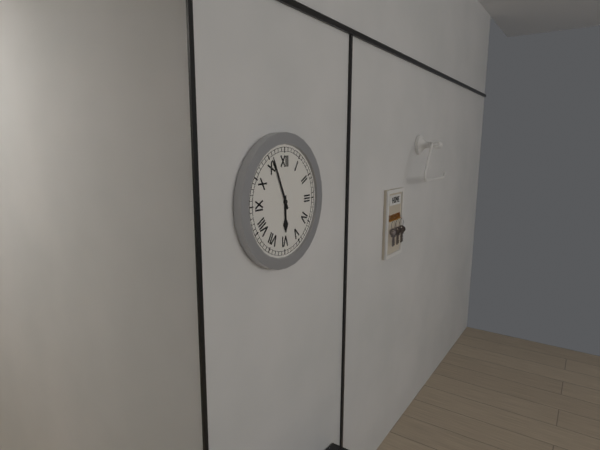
5:56
